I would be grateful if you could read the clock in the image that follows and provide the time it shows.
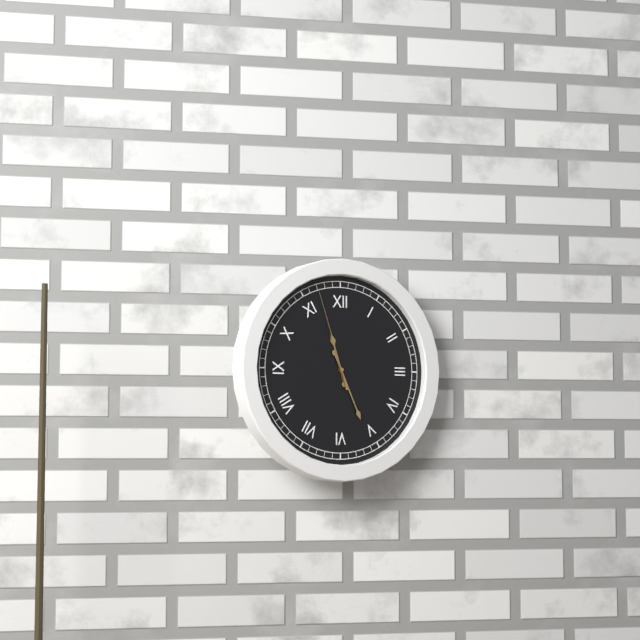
11:26:57
